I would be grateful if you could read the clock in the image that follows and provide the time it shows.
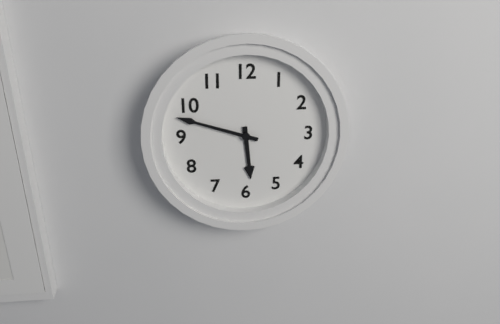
5:48
